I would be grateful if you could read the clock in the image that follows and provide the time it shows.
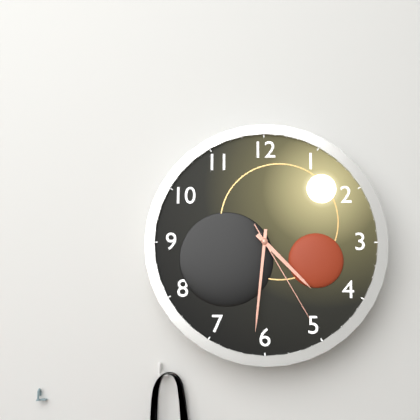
4:31:25
